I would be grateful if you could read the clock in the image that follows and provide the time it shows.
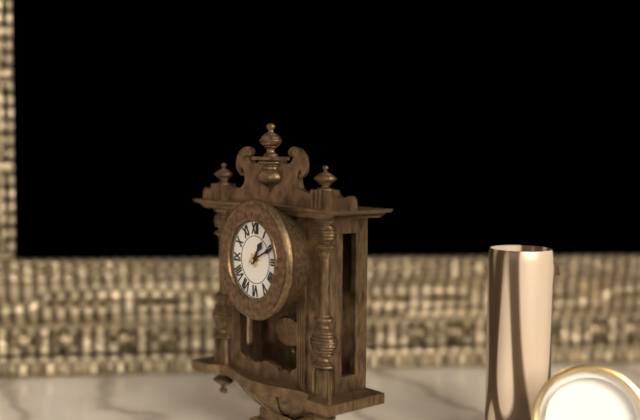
1:11
